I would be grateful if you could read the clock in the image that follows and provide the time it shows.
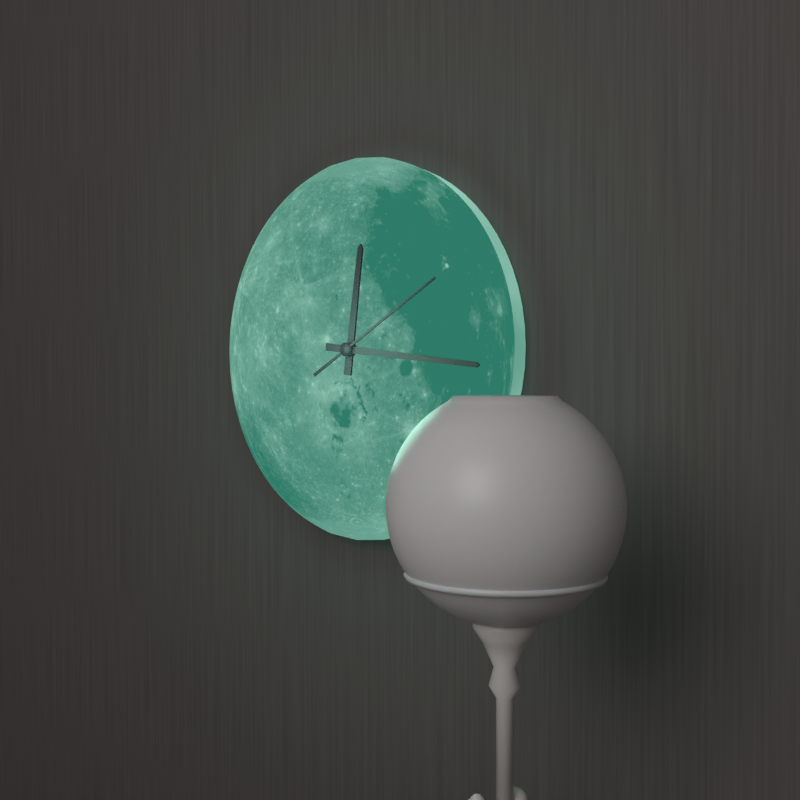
12:16:10
